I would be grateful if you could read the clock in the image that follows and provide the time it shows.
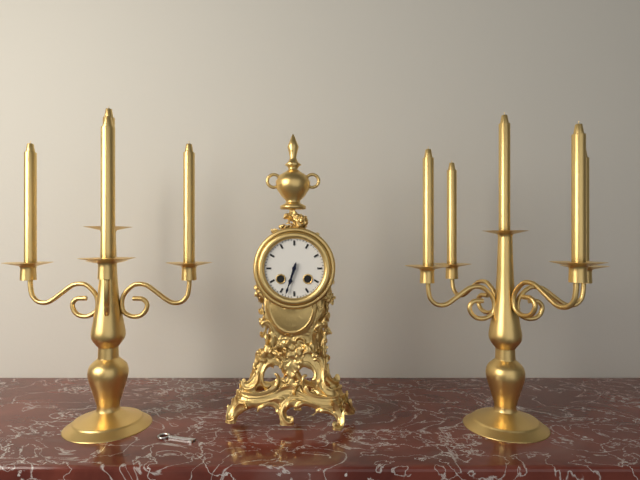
6:33
